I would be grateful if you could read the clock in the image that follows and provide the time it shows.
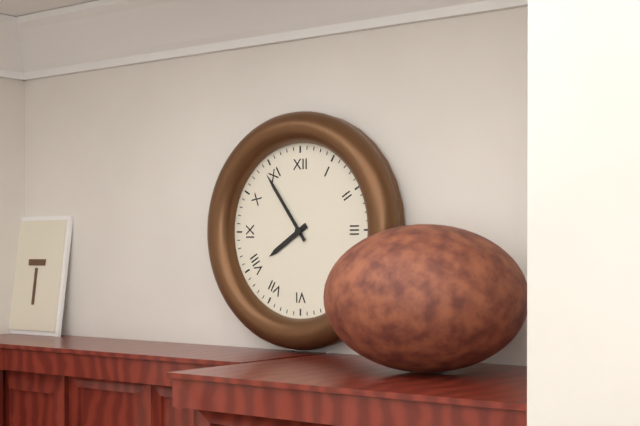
7:54
